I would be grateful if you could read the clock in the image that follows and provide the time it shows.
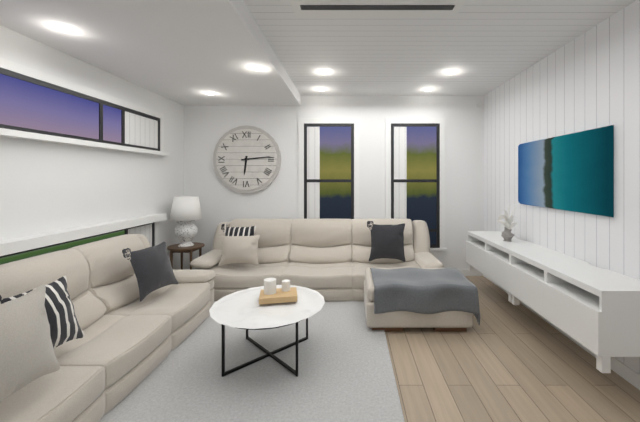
6:14
